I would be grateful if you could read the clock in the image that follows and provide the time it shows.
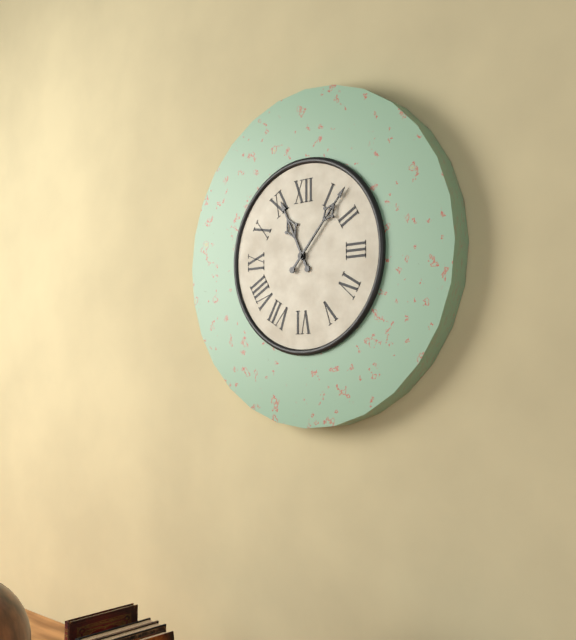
11:07
